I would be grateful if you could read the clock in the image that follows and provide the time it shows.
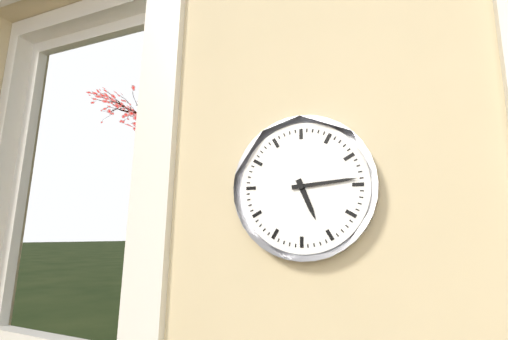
5:14
